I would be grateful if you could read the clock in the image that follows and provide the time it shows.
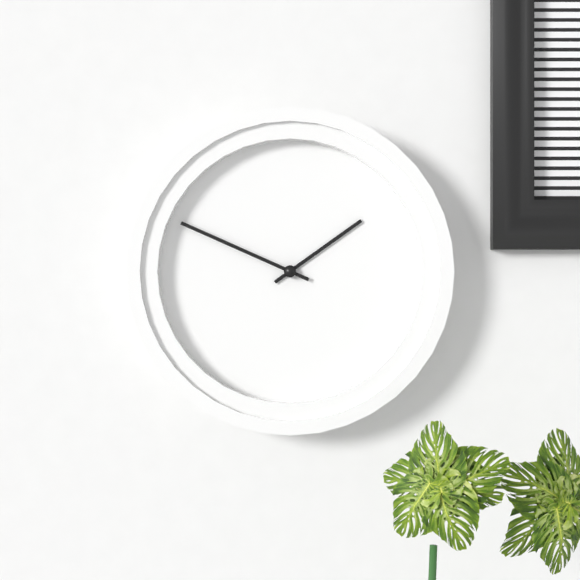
1:49
